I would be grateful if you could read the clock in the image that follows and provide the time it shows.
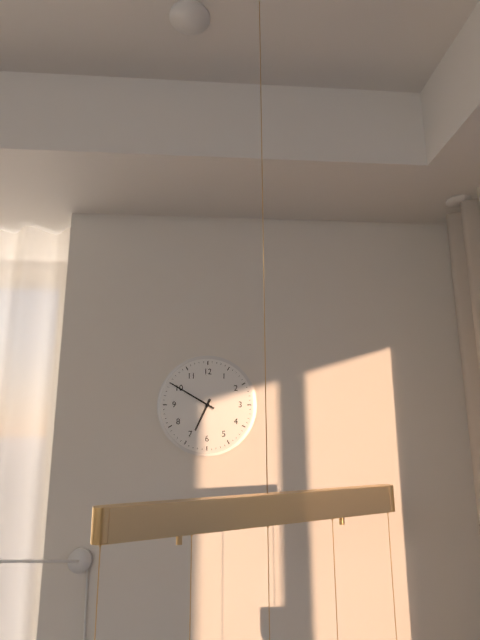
6:50
